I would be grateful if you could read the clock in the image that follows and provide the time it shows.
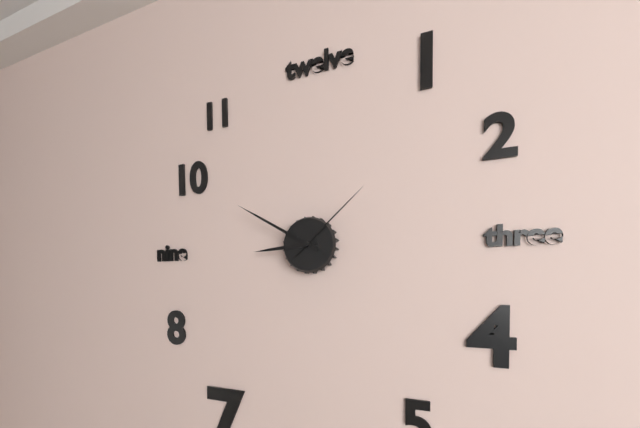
8:50:08
